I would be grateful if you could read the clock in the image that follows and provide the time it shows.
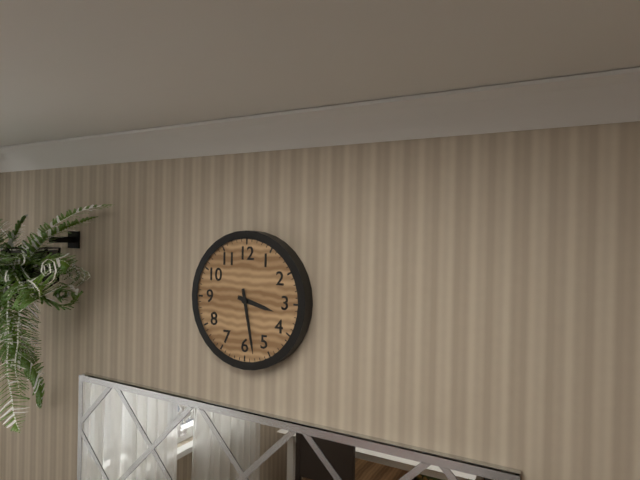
3:28
